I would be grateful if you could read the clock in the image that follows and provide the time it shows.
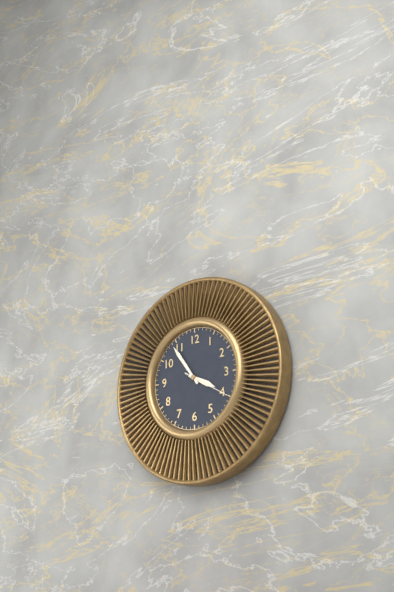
3:54
